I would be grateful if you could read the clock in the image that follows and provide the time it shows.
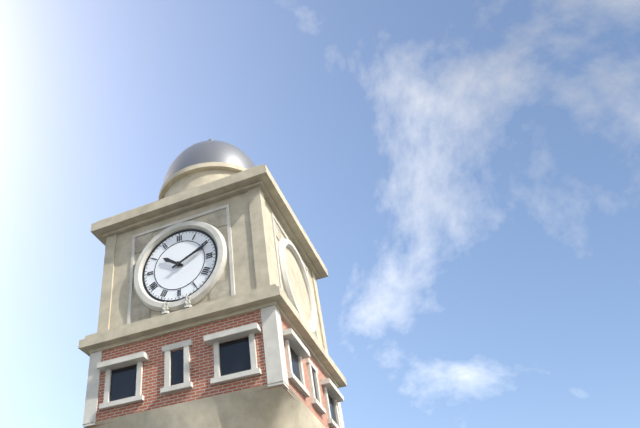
10:11
